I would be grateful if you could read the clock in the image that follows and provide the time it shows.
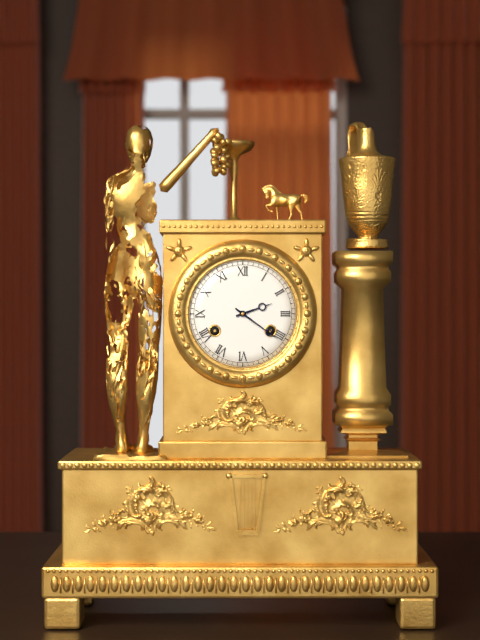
2:21
